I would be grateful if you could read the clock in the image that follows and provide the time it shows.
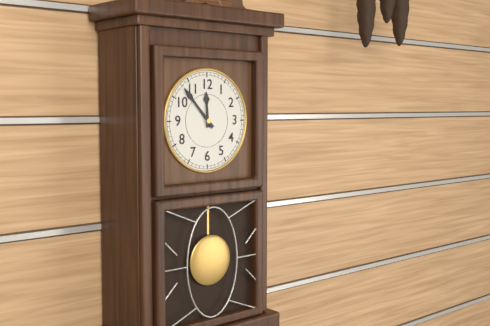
11:53
